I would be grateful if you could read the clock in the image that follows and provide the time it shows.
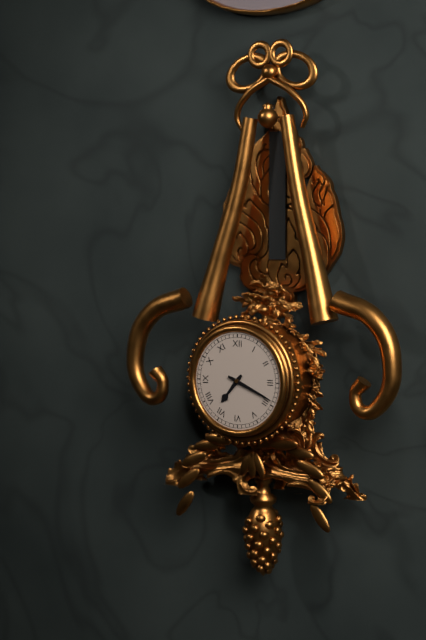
7:19
